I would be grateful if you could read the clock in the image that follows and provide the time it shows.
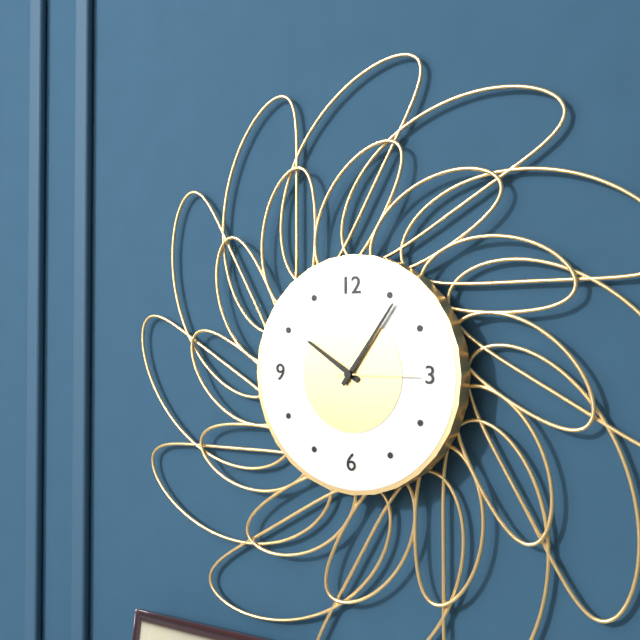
10:06:15
